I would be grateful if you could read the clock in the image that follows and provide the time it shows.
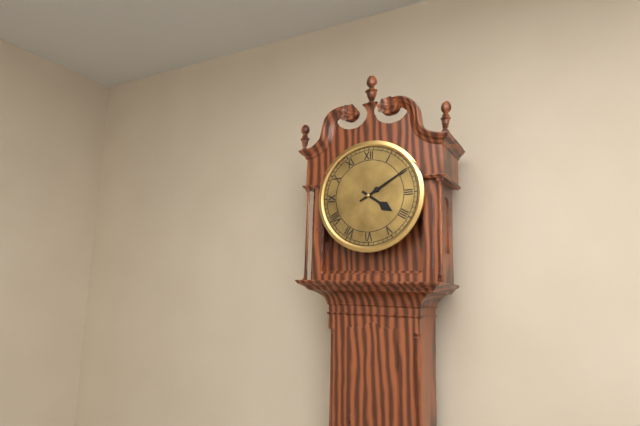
4:10
